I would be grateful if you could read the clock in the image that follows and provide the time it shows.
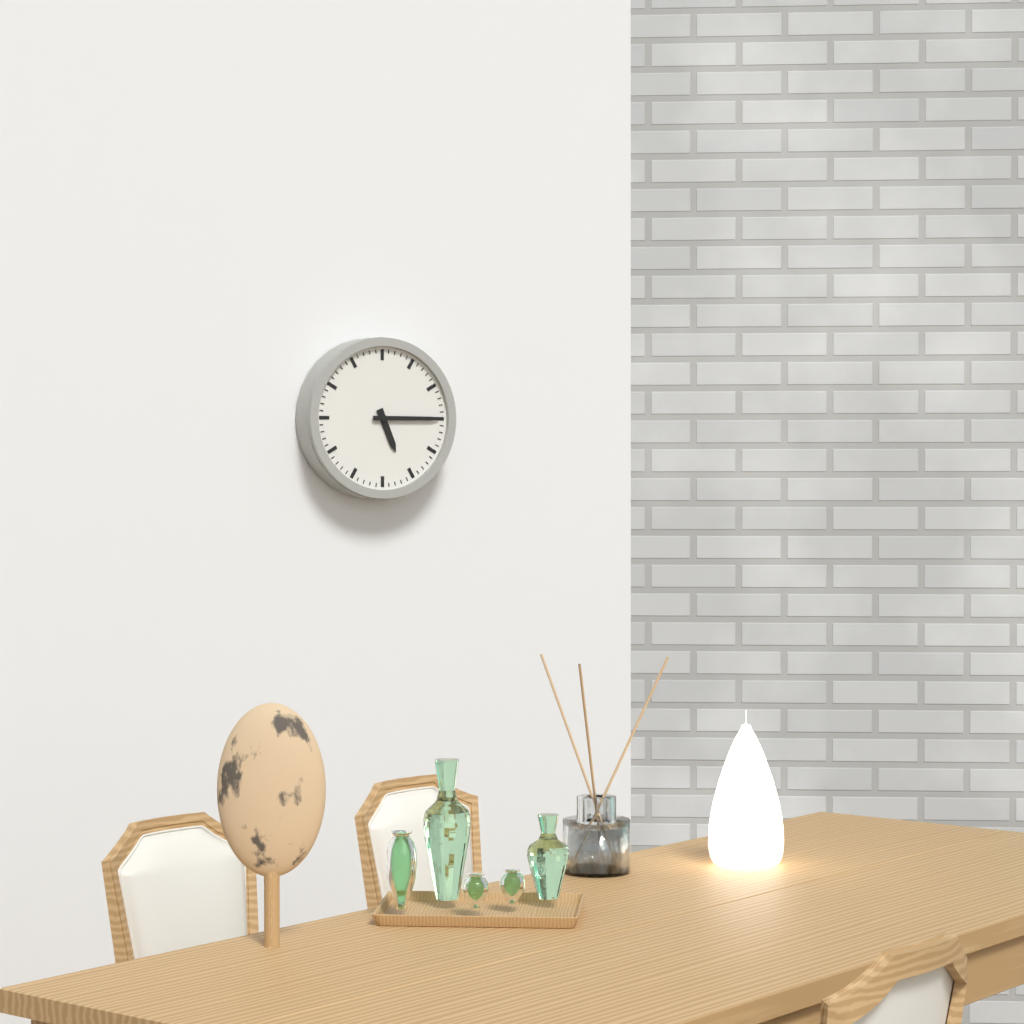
5:15
